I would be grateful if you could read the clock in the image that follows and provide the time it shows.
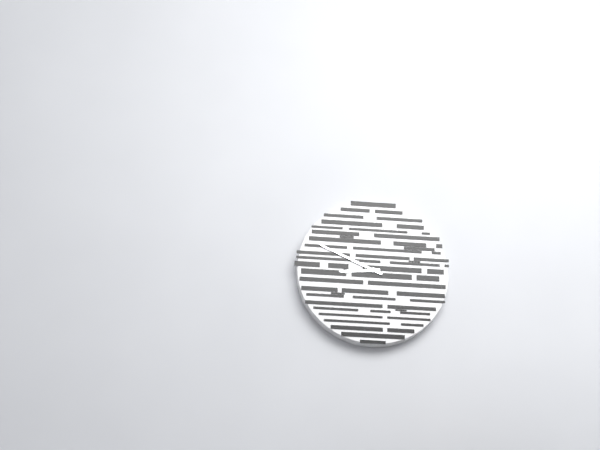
8:49
